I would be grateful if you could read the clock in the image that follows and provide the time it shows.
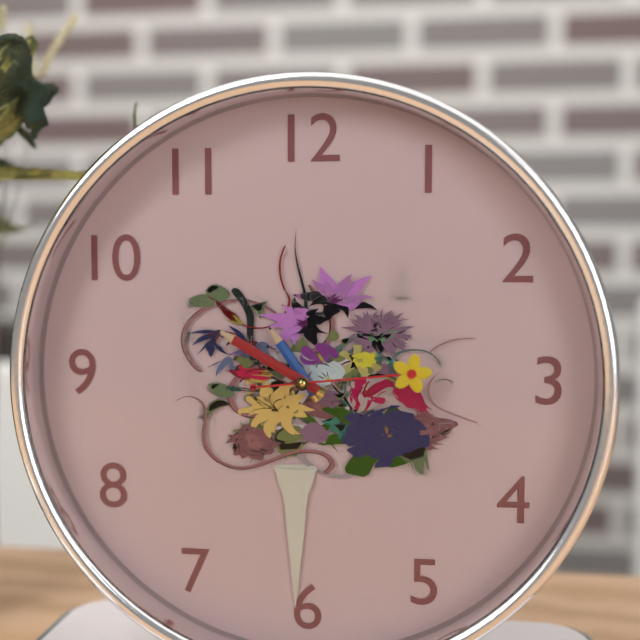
10:50:14
